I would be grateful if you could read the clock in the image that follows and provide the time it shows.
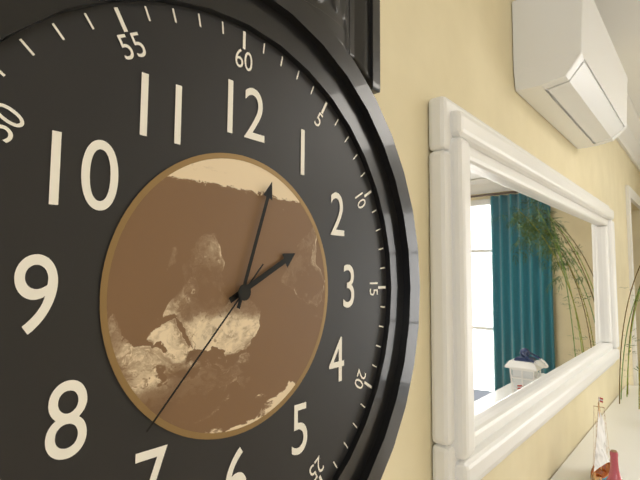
2:03:37
